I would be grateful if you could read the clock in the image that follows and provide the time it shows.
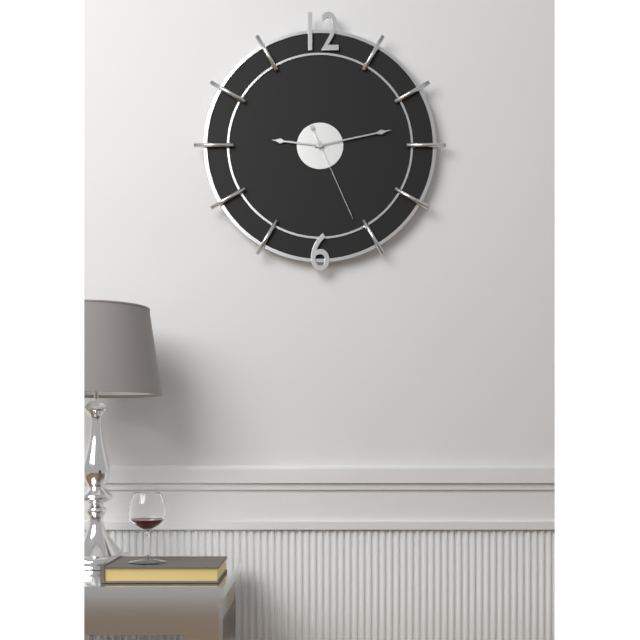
9:13:26
